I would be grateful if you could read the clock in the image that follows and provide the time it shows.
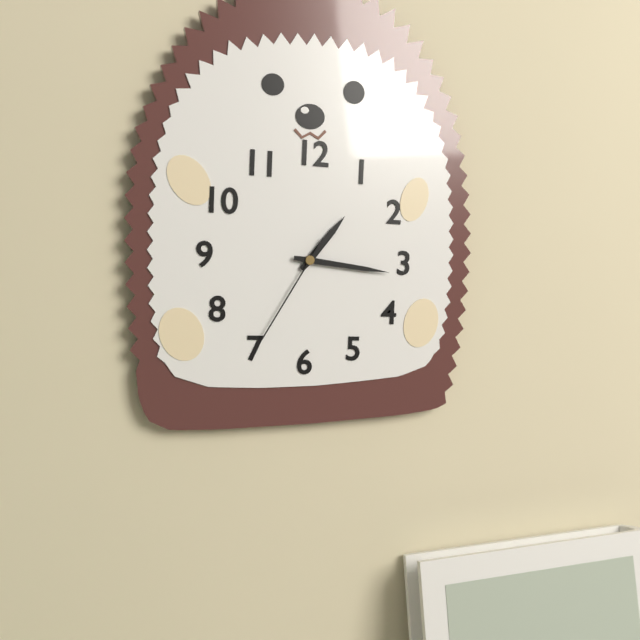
1:16:35
